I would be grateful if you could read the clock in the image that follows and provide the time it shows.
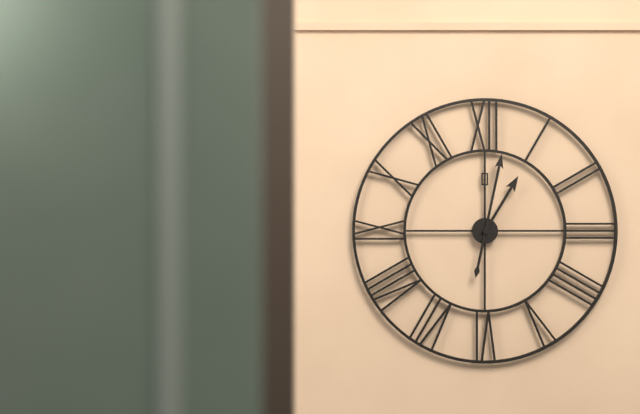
1:02
